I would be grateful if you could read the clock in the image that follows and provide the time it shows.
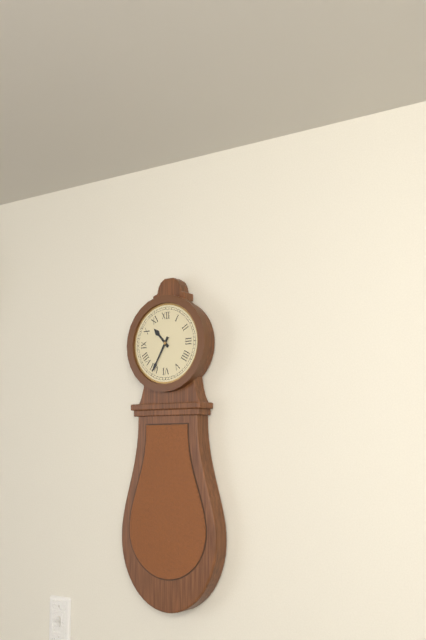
10:35
